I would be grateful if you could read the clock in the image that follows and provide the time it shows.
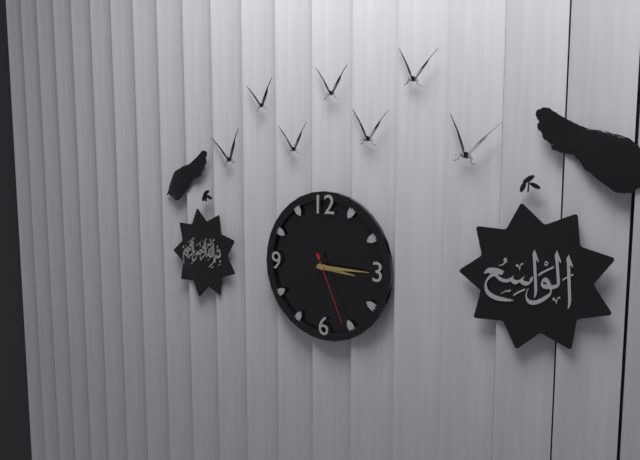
3:15:26
